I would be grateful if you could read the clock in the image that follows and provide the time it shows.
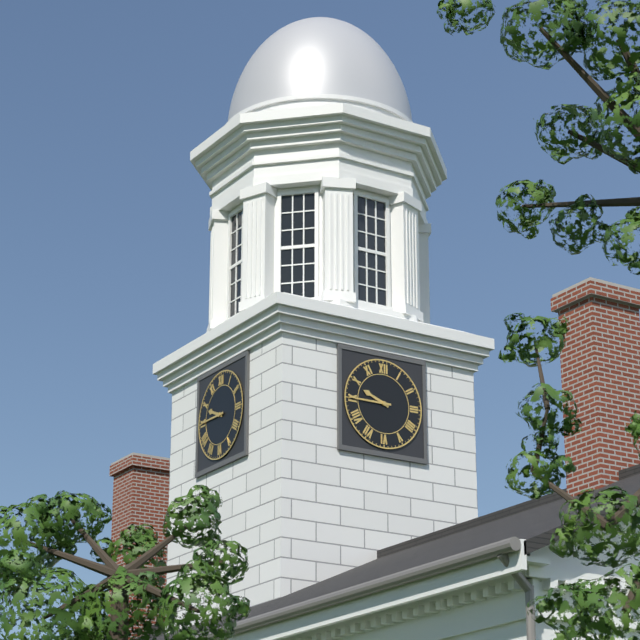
9:45
